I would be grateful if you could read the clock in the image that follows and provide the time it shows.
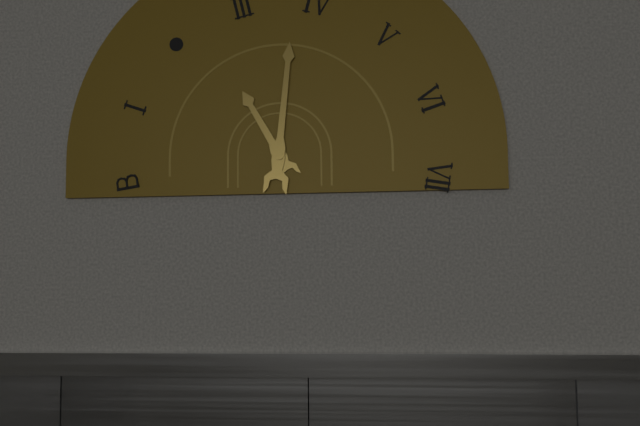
11:01
